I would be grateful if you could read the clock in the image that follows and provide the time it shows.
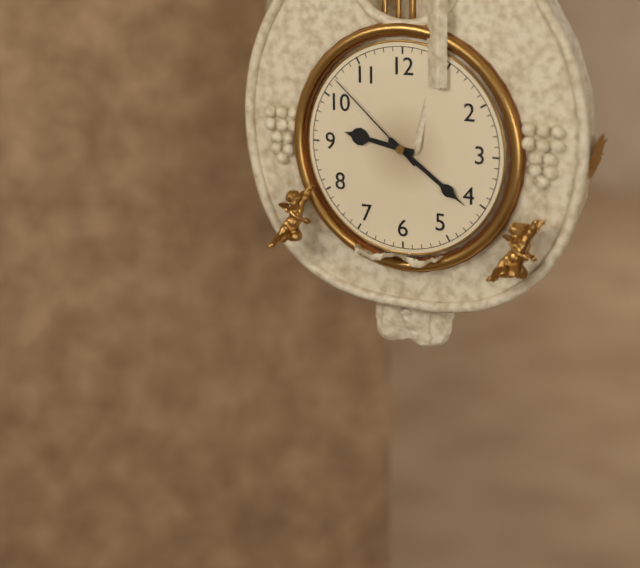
9:21:52
